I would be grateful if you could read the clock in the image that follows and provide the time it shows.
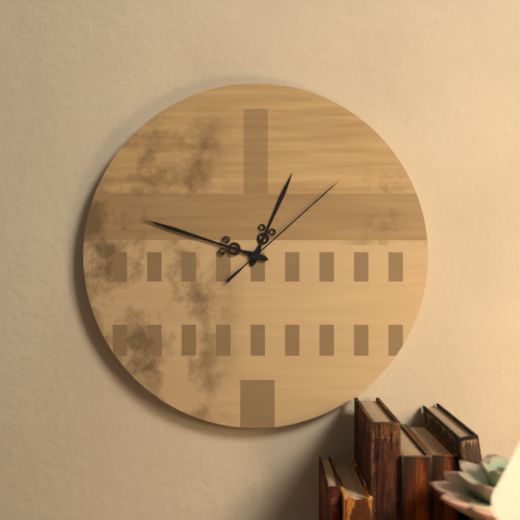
12:48:08
